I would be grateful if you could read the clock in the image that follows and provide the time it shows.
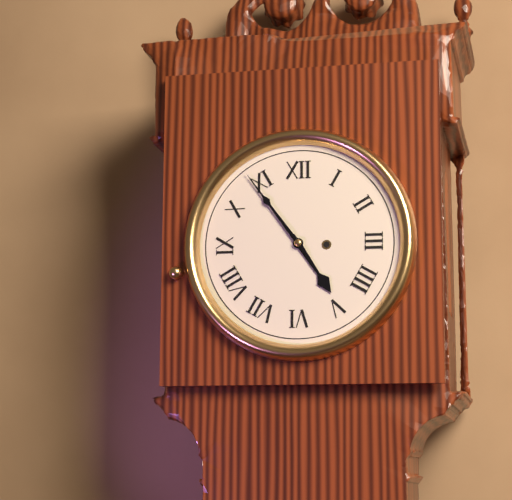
4:54
